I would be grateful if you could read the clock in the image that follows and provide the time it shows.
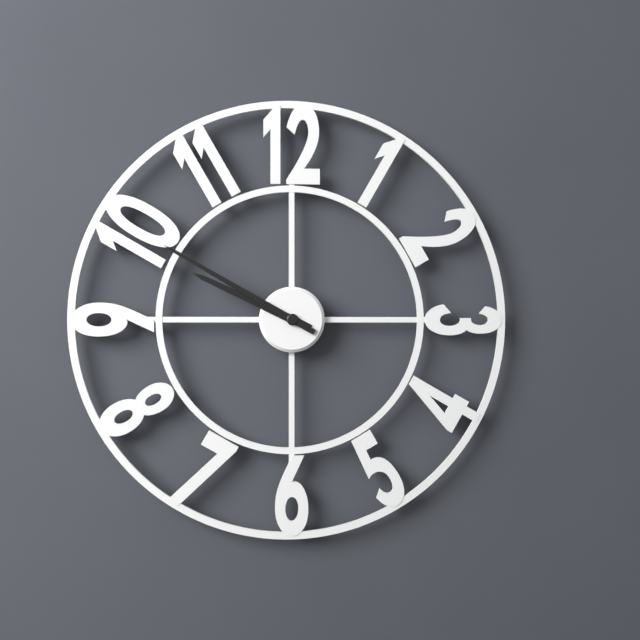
9:50
